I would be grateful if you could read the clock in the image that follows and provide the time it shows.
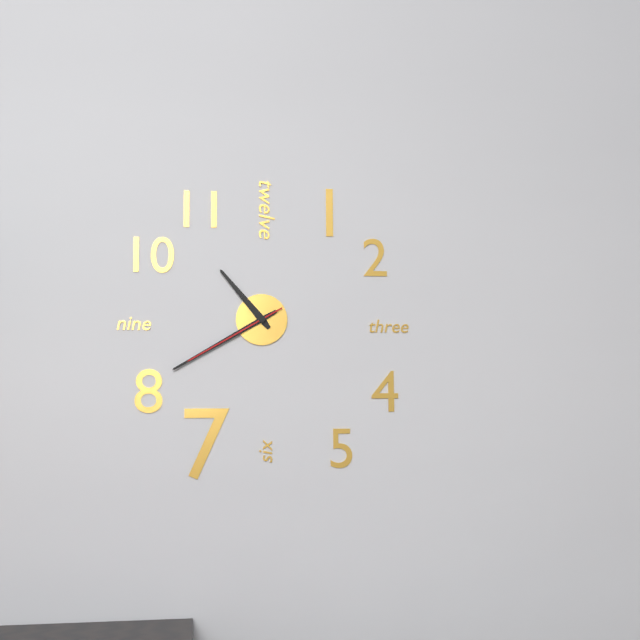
10:40:40
